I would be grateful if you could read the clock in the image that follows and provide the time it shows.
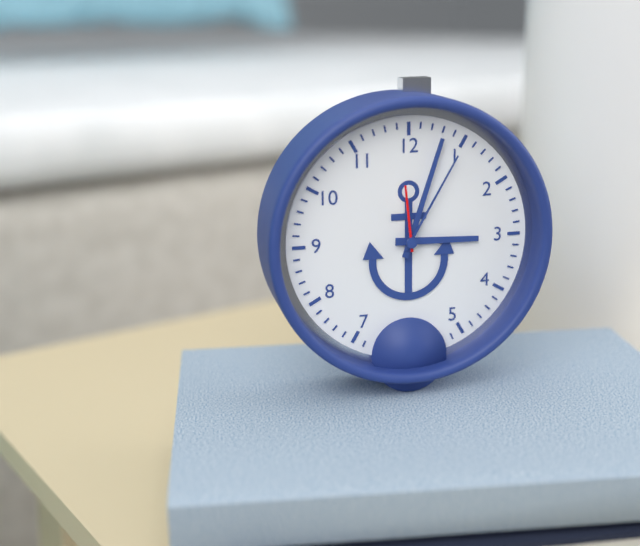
3:03:59
